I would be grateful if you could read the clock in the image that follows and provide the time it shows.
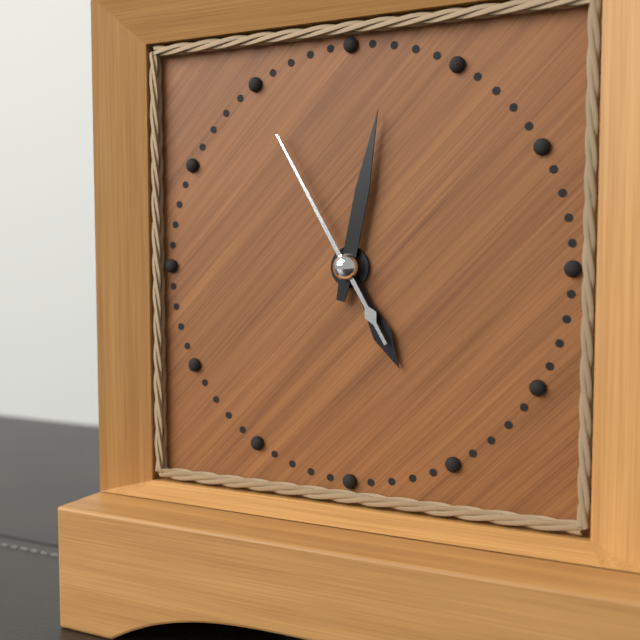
5:02:55
